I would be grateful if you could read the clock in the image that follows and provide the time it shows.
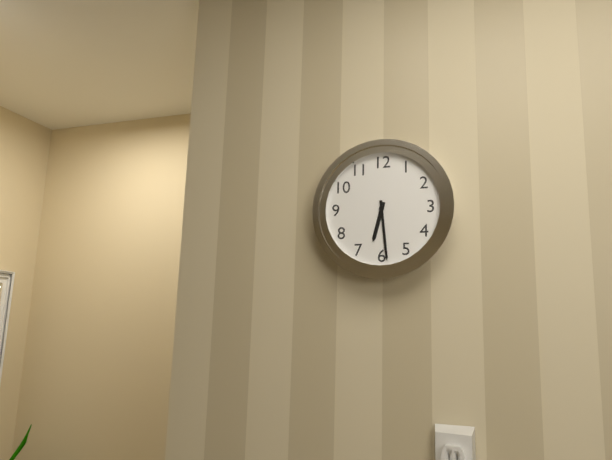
6:29
